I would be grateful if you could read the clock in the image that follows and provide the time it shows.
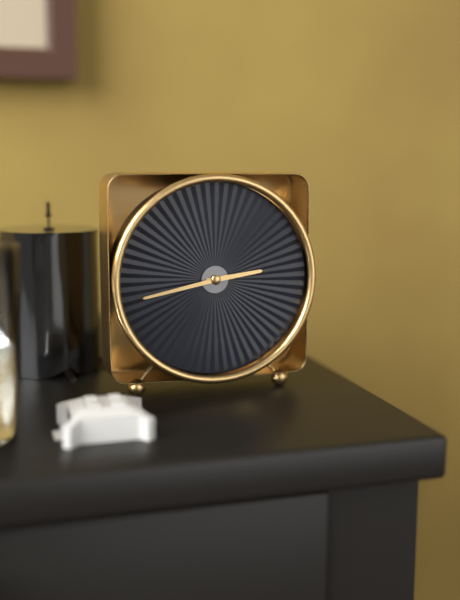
2:43
